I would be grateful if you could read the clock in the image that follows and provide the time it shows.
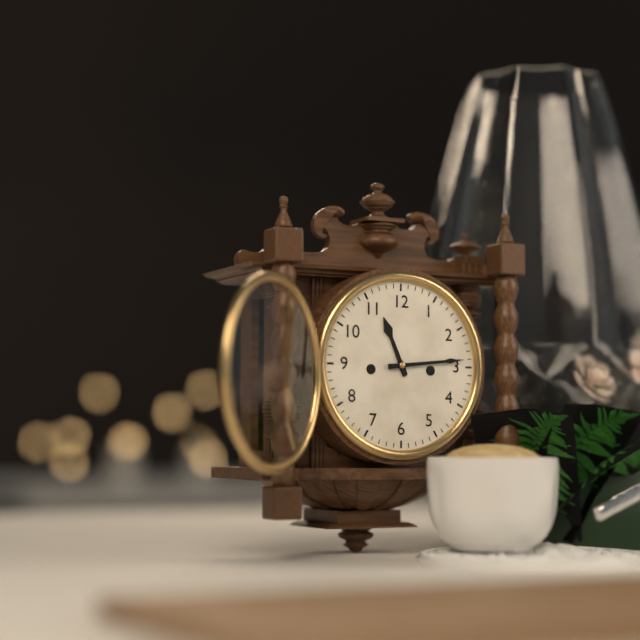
11:14
